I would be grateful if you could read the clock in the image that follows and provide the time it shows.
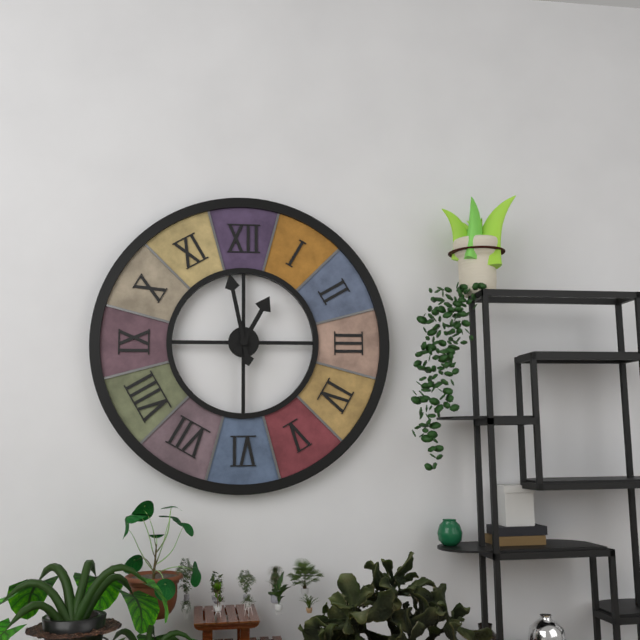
12:58
